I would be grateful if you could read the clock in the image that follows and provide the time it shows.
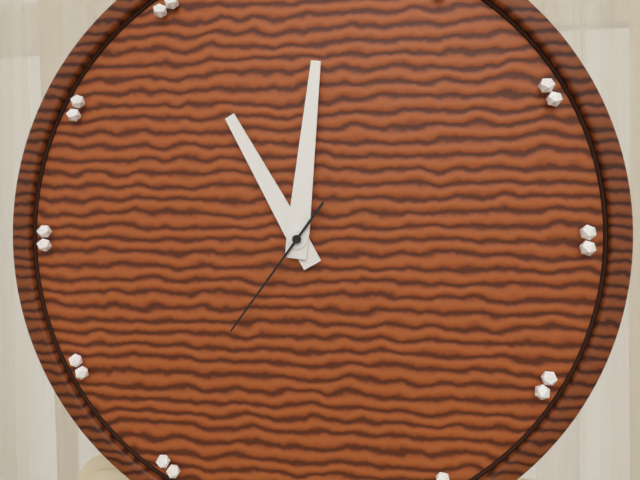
11:01:36
